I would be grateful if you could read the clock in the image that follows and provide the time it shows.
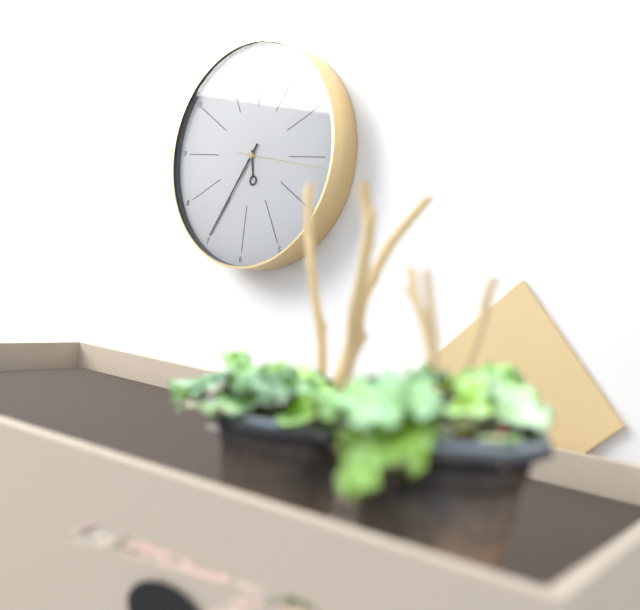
5:35:16
